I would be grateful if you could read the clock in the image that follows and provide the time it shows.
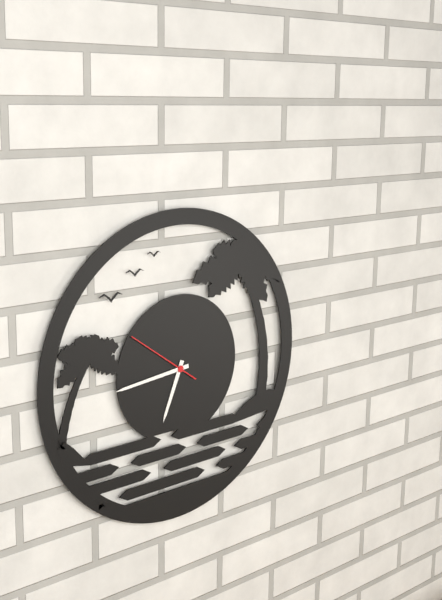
6:44:51
